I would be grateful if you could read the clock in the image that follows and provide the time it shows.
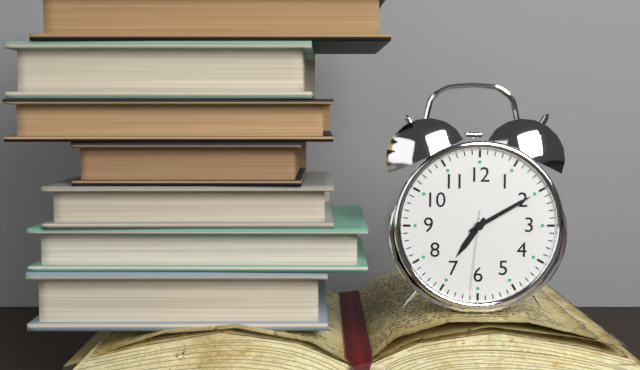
7:10:31
